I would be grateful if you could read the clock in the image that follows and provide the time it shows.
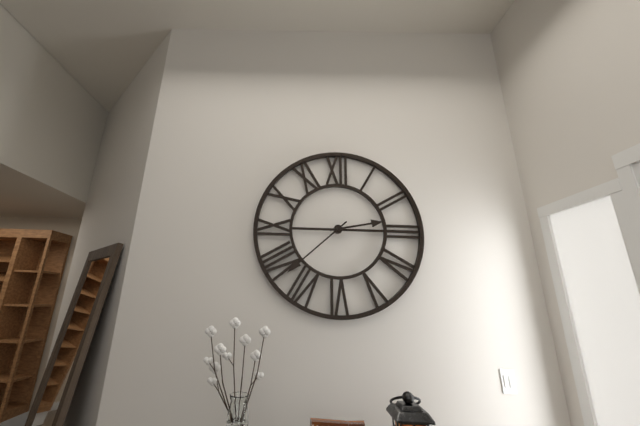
2:38
